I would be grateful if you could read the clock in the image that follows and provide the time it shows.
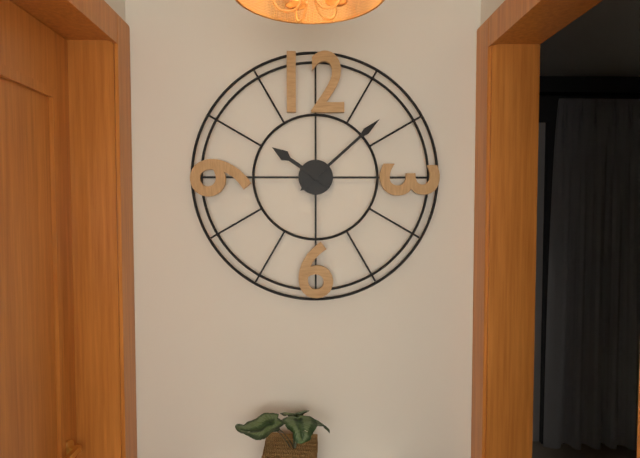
10:08
